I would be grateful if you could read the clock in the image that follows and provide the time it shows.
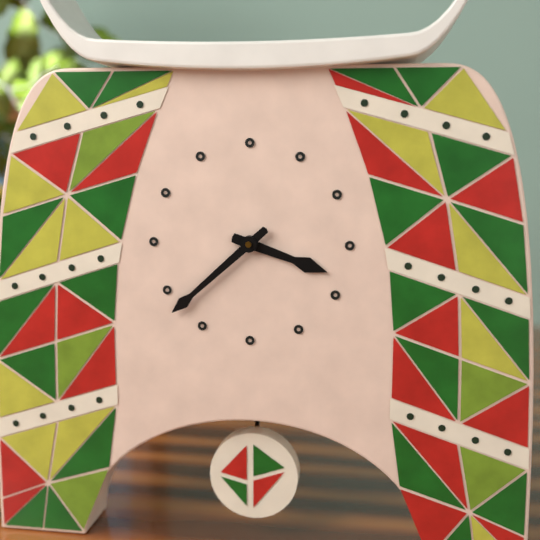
3:38
